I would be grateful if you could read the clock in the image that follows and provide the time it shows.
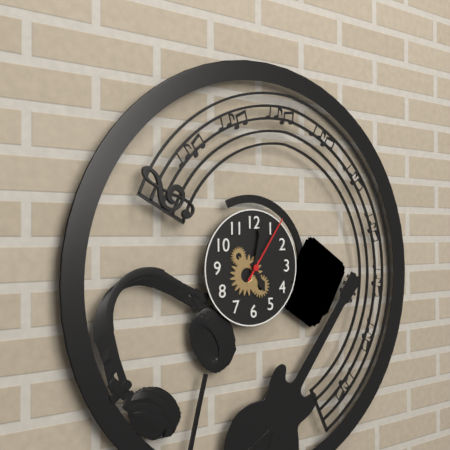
5:02:06
